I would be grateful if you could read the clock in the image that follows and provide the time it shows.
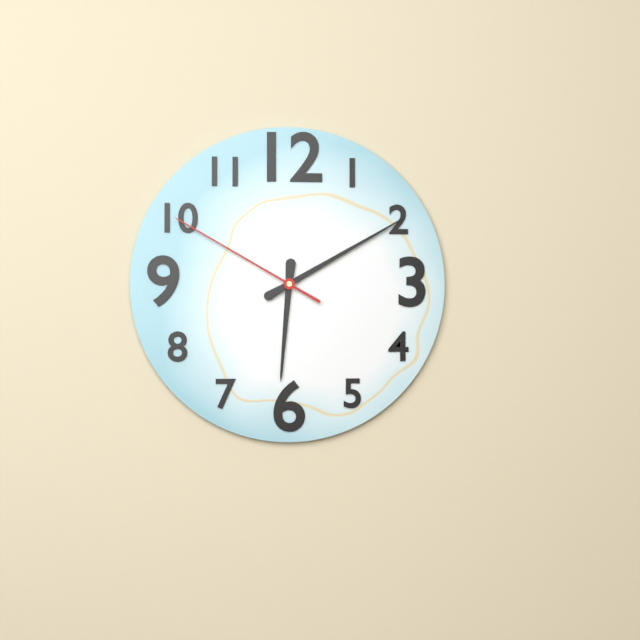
6:10:50
